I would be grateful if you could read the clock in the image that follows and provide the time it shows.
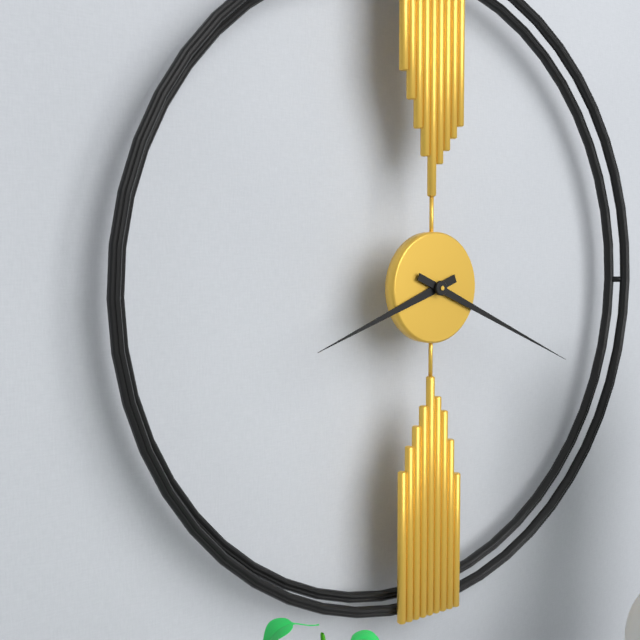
8:19
